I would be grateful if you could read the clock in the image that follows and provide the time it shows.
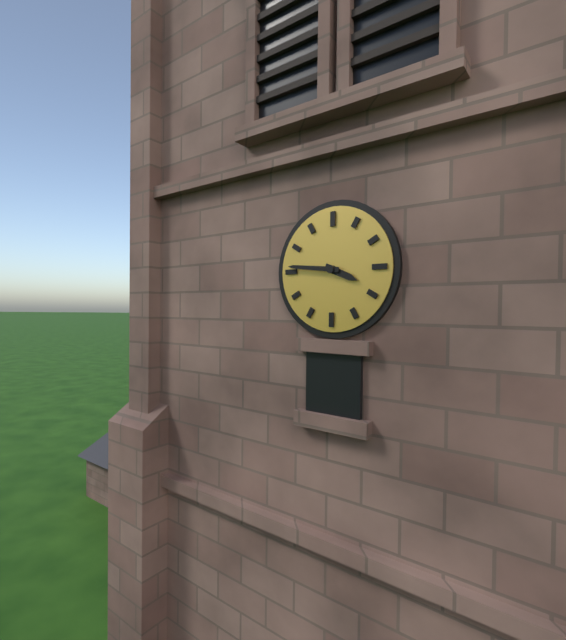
3:46
